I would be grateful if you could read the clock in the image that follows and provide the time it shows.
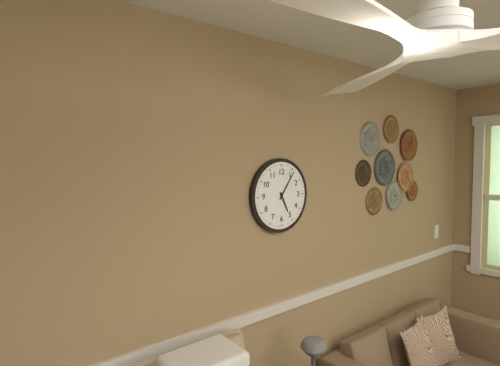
5:06
